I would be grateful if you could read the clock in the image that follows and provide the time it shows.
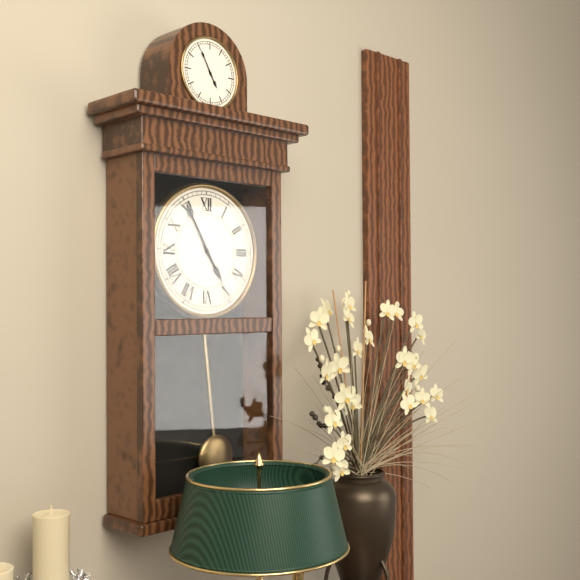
4:55
